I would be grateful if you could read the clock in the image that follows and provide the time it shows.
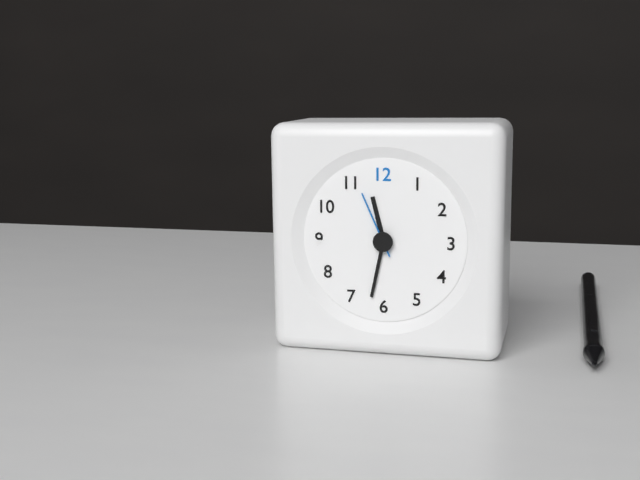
11:32:56
